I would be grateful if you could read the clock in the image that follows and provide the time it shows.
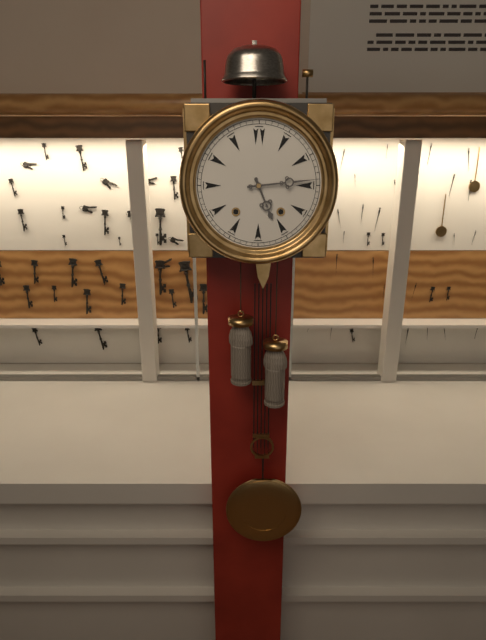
5:14
